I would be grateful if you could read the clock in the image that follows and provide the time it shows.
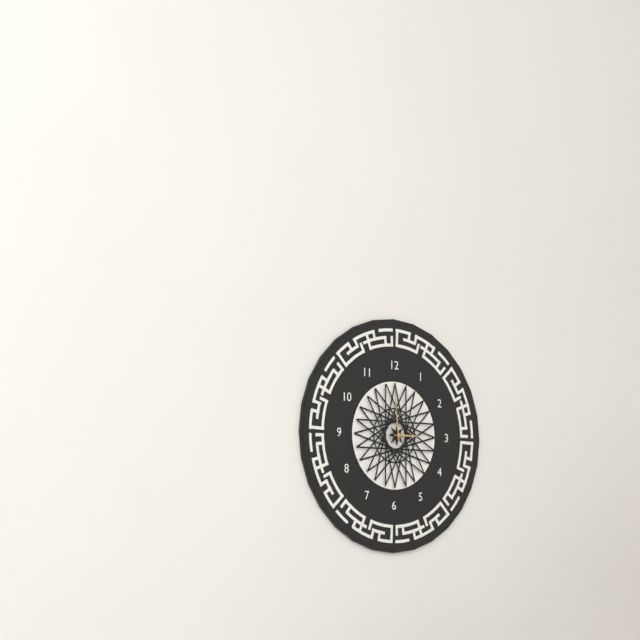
2:59
